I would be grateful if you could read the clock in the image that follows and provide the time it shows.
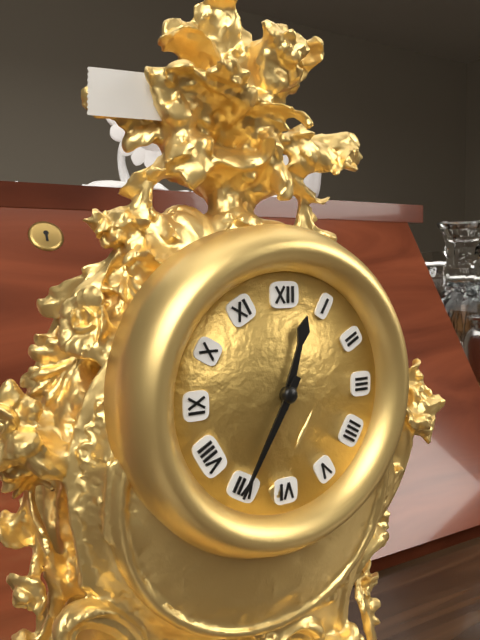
12:35
